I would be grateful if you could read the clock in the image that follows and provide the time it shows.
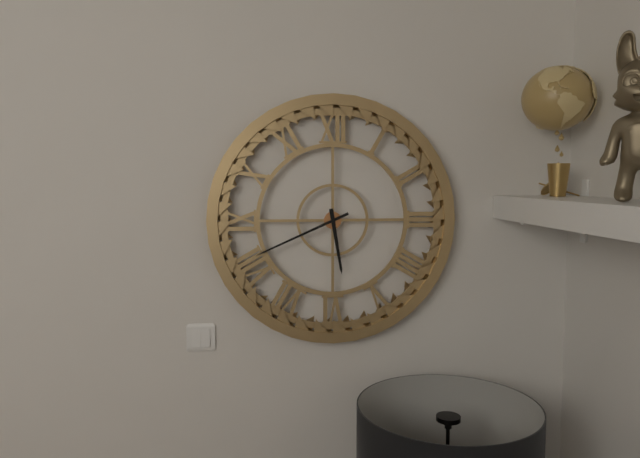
5:41
